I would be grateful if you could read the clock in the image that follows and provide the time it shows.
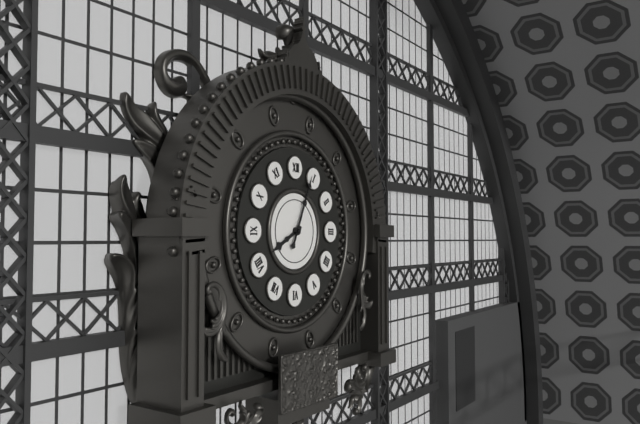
8:04
